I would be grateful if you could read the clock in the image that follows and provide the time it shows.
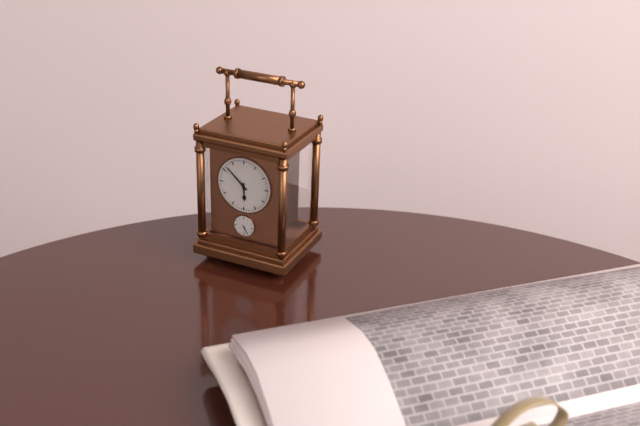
5:52
